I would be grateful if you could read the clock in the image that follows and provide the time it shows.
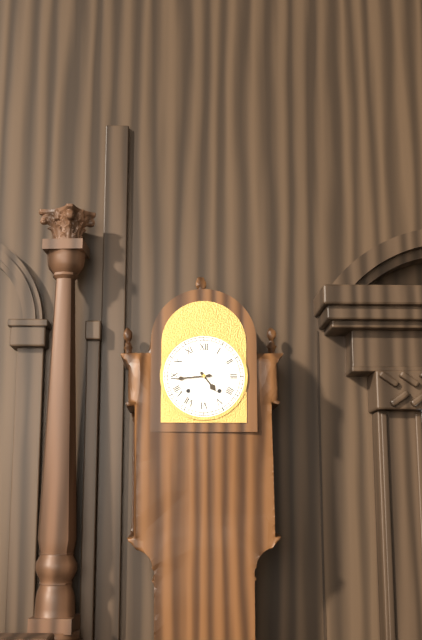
4:44
